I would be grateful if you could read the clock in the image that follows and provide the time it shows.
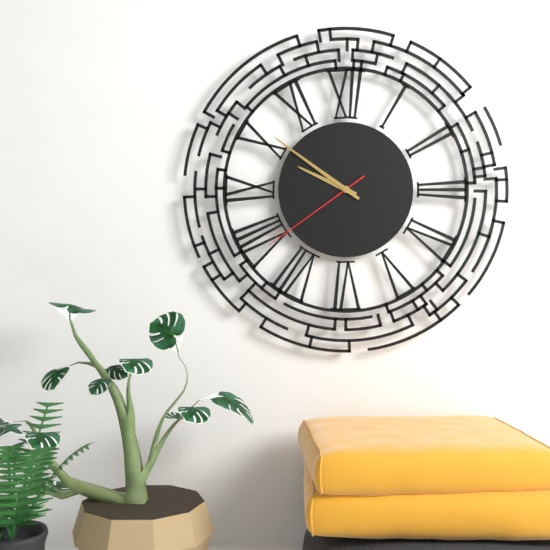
9:51:39
